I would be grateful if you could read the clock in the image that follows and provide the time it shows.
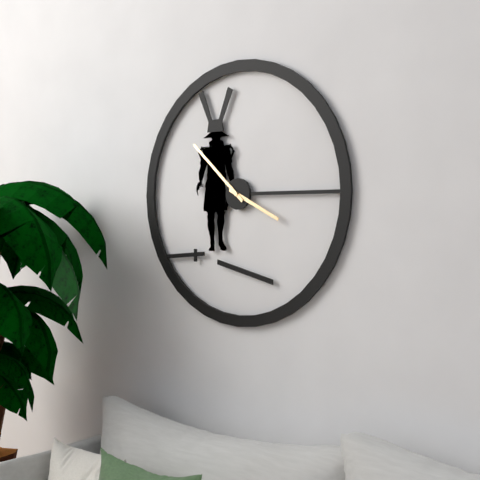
3:52
